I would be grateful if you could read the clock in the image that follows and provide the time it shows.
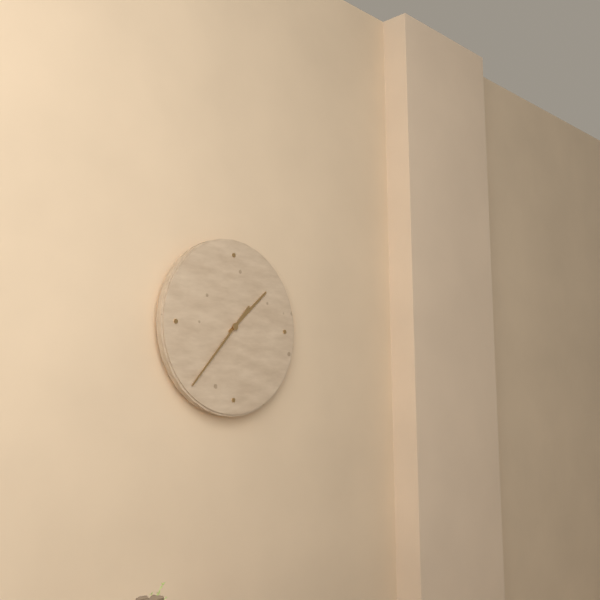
1:37
